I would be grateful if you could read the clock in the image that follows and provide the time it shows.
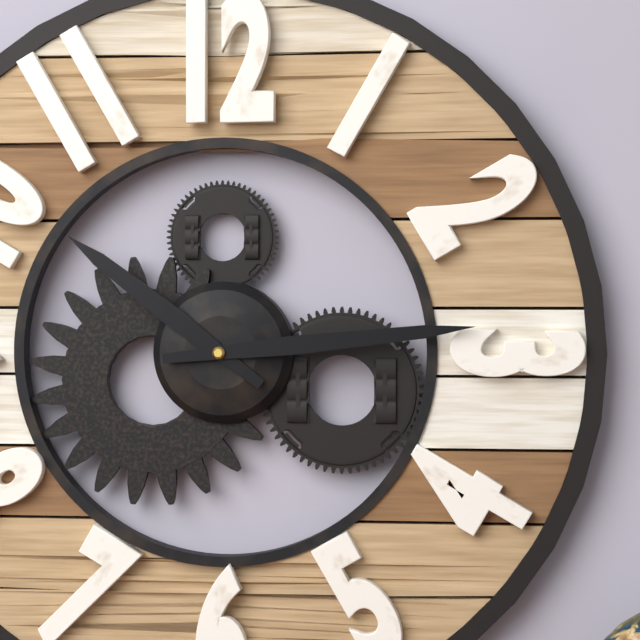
10:14
